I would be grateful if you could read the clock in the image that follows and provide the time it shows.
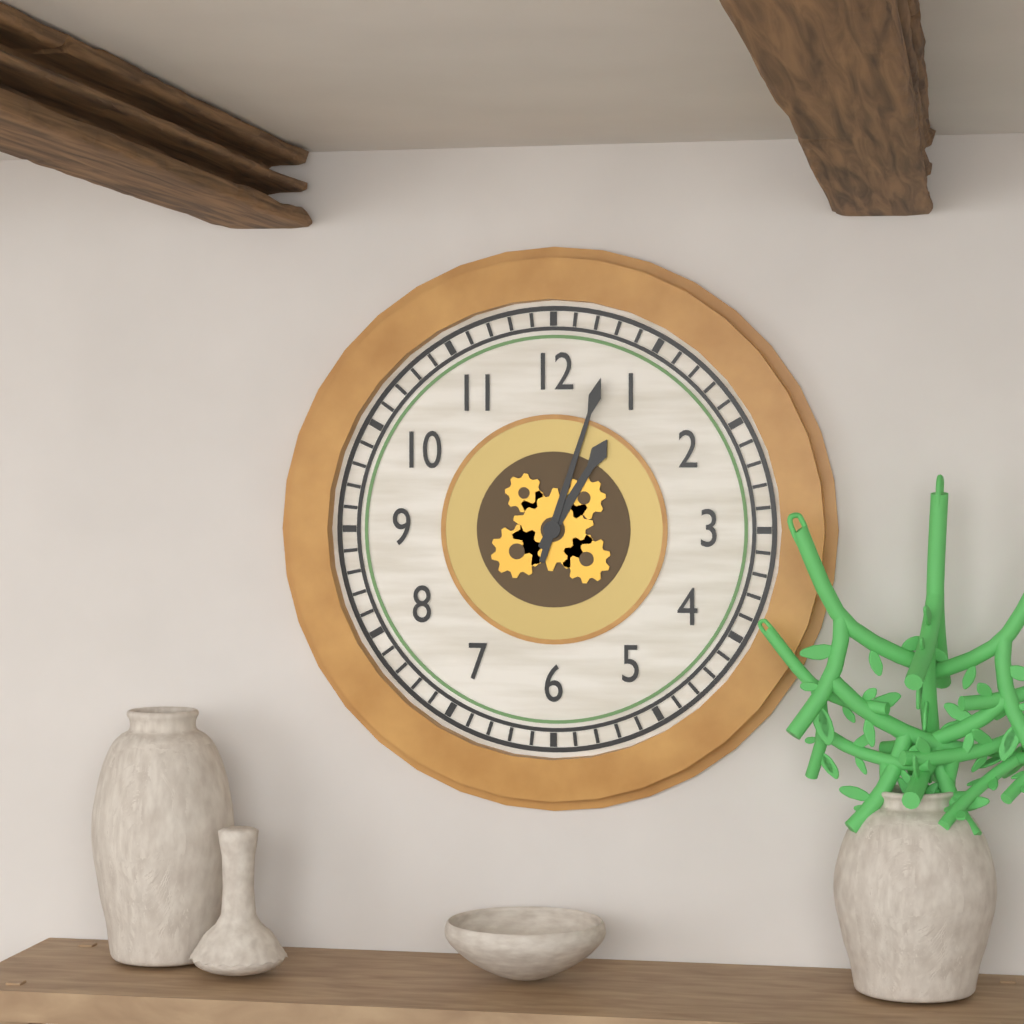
1:03
